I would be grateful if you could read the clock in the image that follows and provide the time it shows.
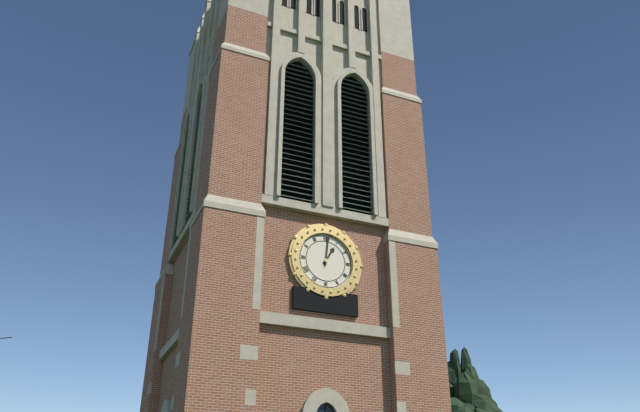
1:01
